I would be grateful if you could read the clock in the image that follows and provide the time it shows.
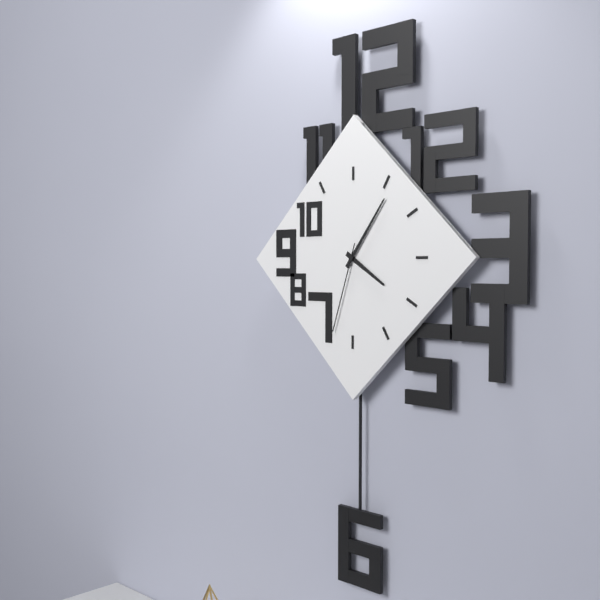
4:06:33
